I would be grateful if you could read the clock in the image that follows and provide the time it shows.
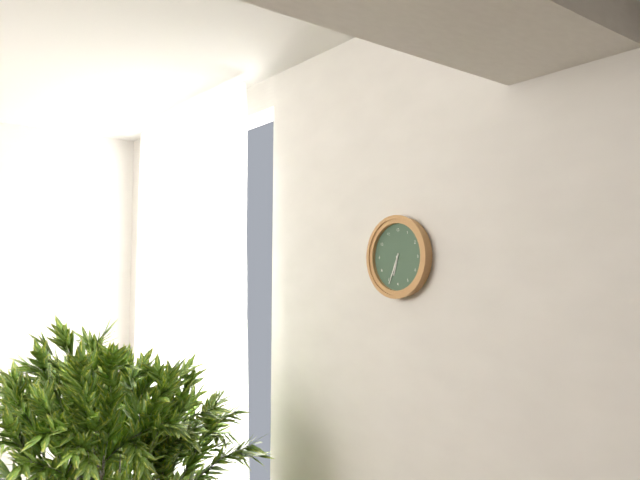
6:34
